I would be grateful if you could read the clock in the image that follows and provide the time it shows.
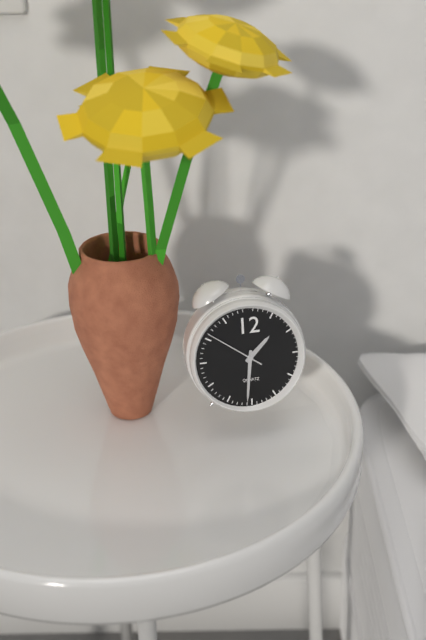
1:31:51
